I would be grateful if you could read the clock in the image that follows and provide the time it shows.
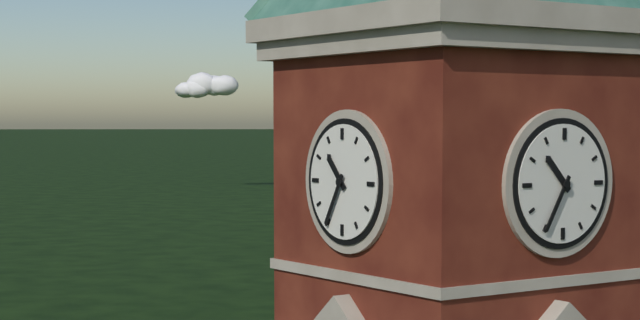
10:35
